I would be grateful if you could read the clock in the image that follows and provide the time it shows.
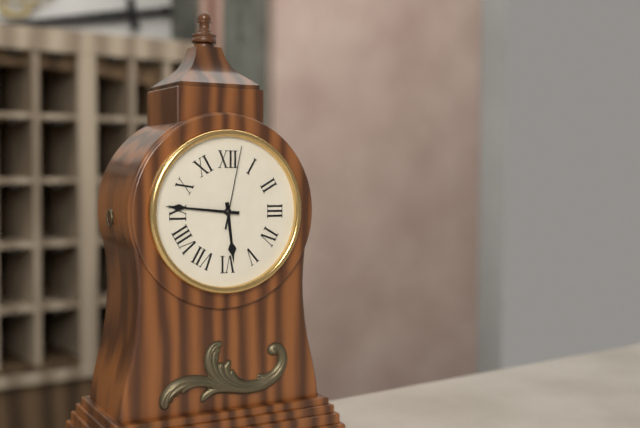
5:46:02
